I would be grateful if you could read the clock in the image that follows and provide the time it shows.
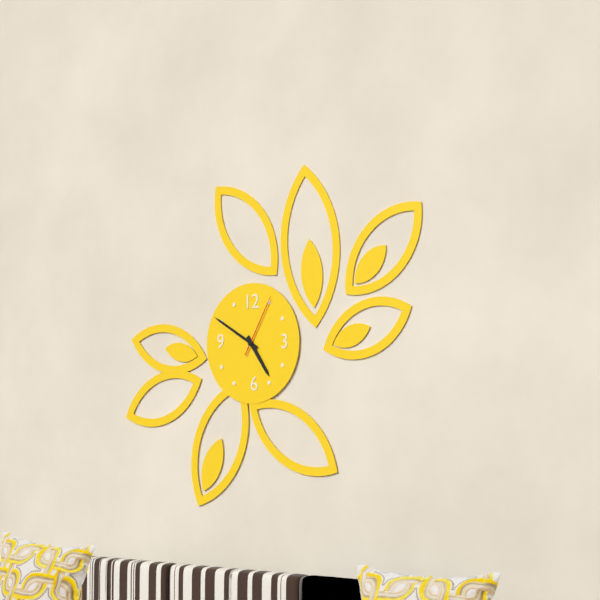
4:50:05
